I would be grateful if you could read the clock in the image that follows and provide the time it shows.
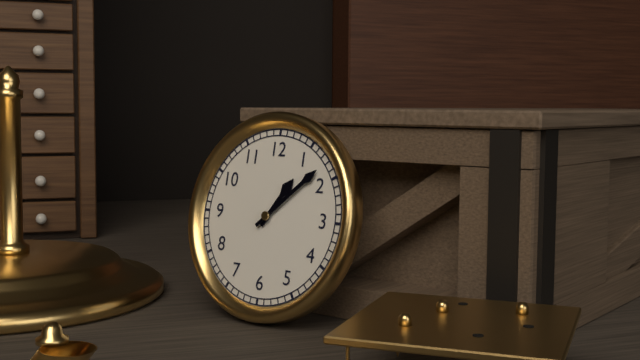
1:08
